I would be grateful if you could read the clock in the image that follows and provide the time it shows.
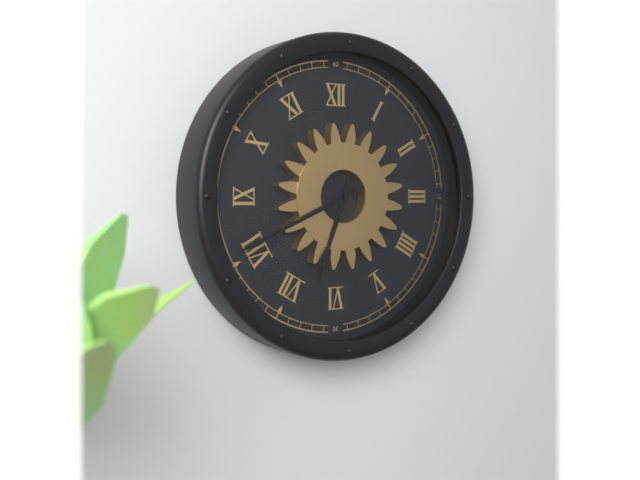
6:41
